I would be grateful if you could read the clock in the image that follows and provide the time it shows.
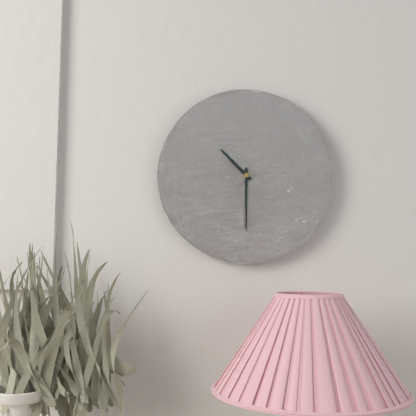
10:30
